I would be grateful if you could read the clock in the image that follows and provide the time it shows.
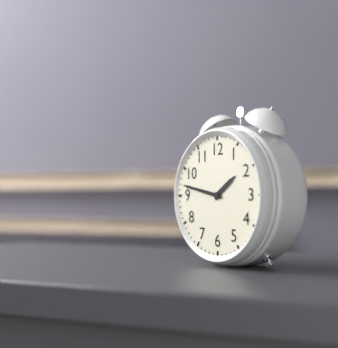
1:47
